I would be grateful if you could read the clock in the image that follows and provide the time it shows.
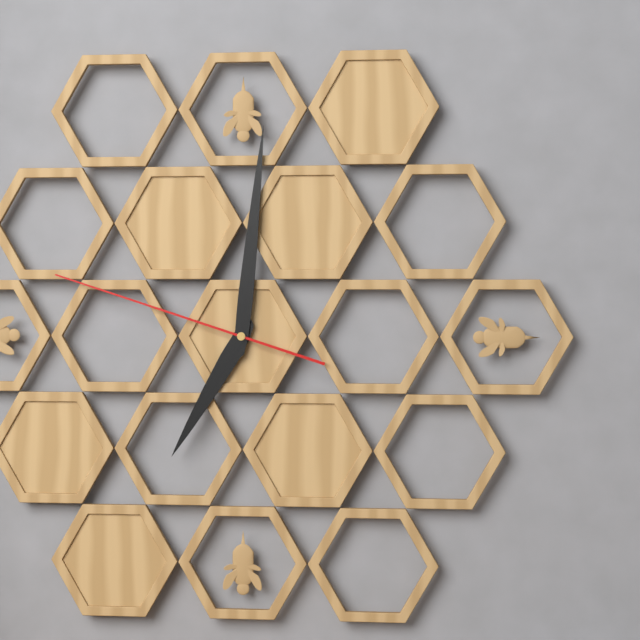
7:01:48
